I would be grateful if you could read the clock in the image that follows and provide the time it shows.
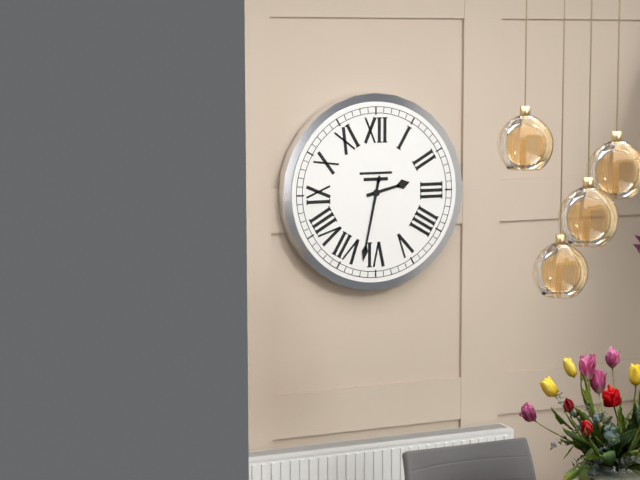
2:32
